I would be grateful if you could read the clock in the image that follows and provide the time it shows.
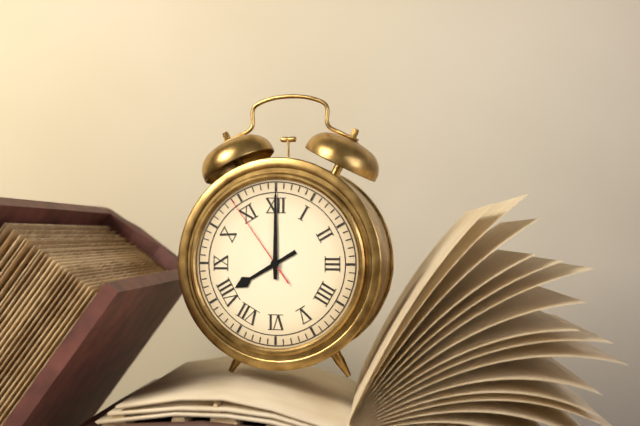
8:00:54
